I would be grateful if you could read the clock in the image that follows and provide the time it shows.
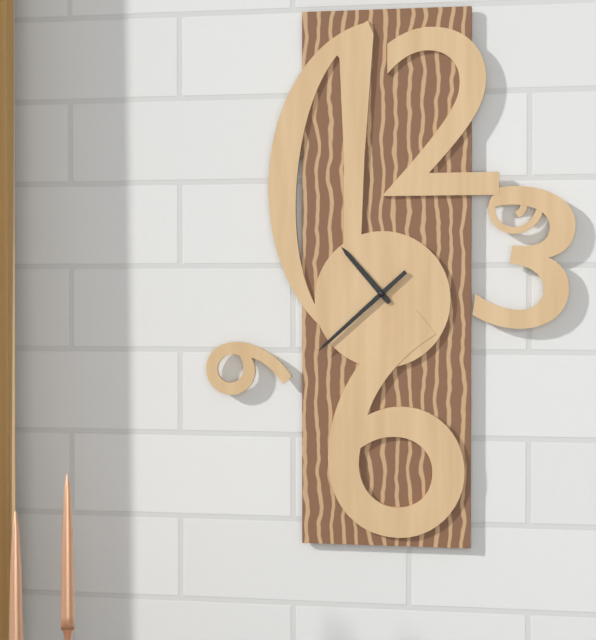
10:38
